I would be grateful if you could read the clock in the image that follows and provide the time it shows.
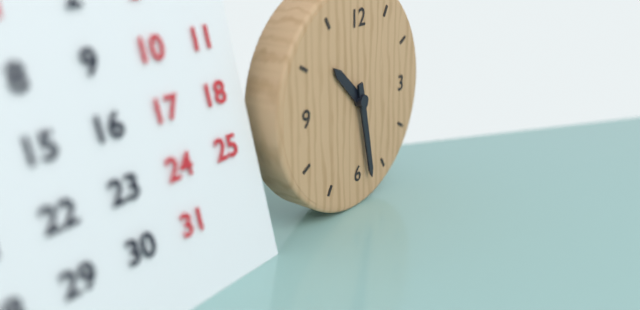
10:28
